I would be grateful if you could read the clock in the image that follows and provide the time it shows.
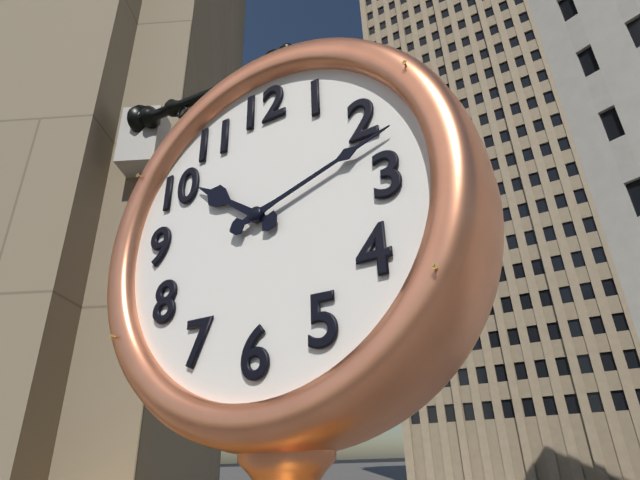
10:12
